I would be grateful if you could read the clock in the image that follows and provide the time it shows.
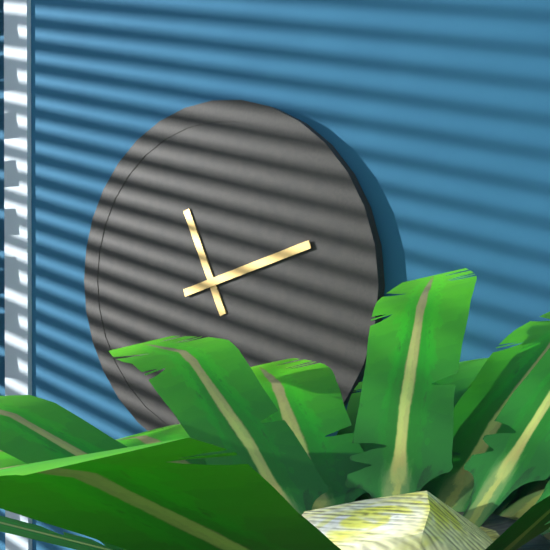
11:12
